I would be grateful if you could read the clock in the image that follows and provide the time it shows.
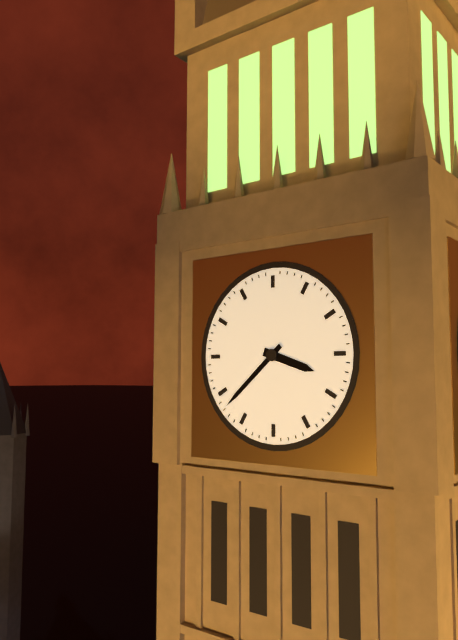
3:38
